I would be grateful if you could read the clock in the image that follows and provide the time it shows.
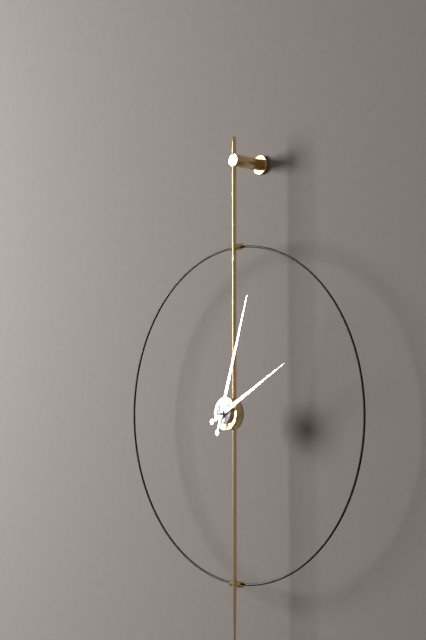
2:03
